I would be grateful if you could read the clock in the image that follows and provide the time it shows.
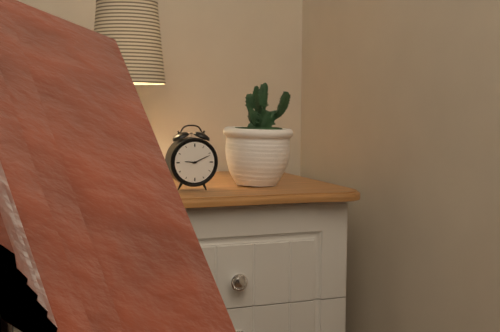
9:11
